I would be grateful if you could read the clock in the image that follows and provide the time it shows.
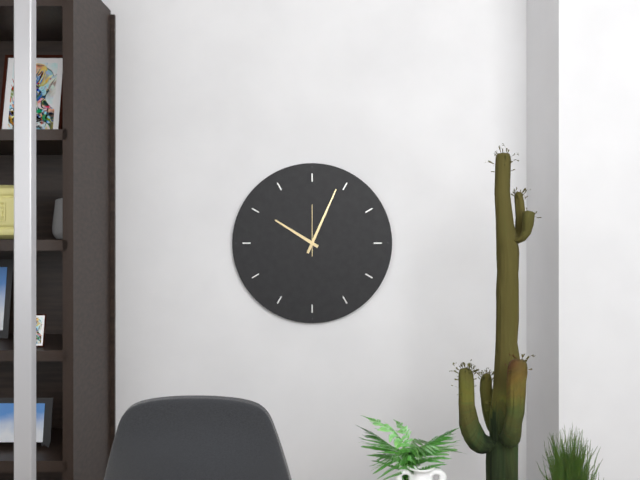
10:04
